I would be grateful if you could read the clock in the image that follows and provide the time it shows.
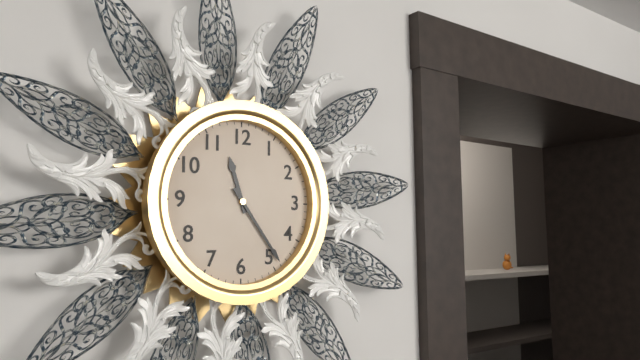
11:24
